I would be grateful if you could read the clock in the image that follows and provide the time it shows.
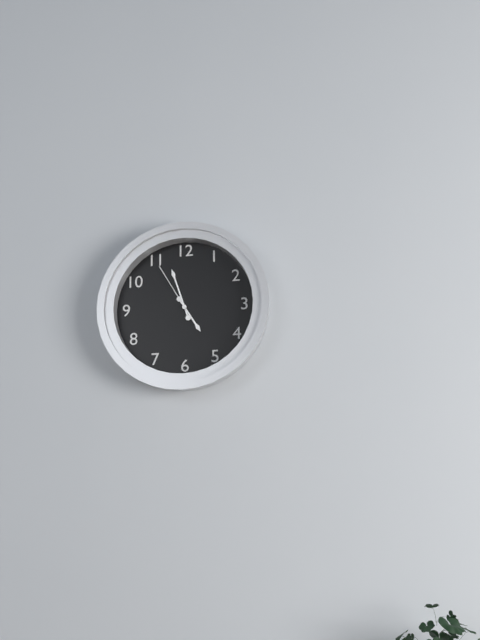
4:57:55
